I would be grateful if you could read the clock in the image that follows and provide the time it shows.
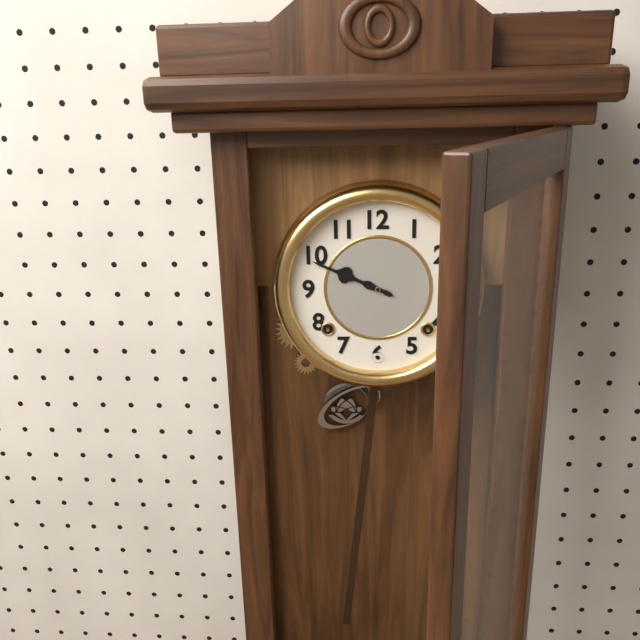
9:49
